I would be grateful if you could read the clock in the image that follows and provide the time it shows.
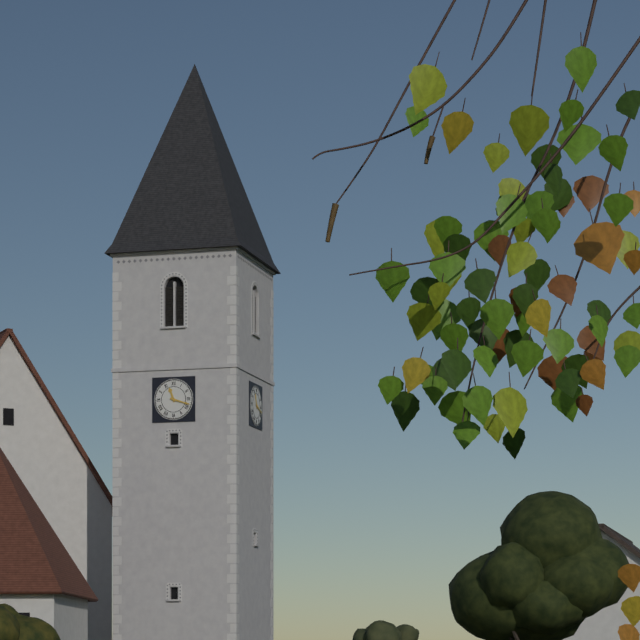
11:18
